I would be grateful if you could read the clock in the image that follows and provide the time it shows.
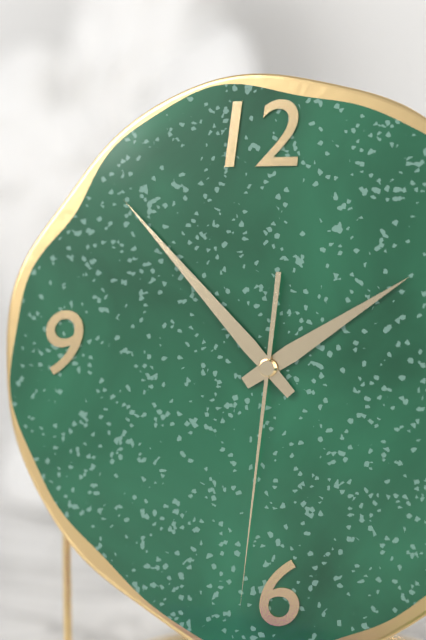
1:53:31
